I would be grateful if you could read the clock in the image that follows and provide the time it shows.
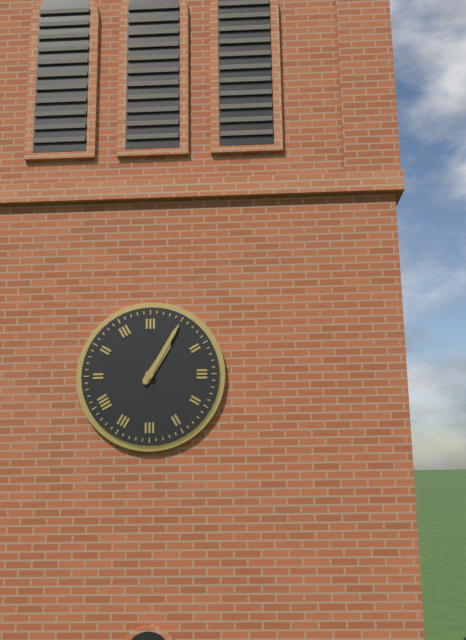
1:05
